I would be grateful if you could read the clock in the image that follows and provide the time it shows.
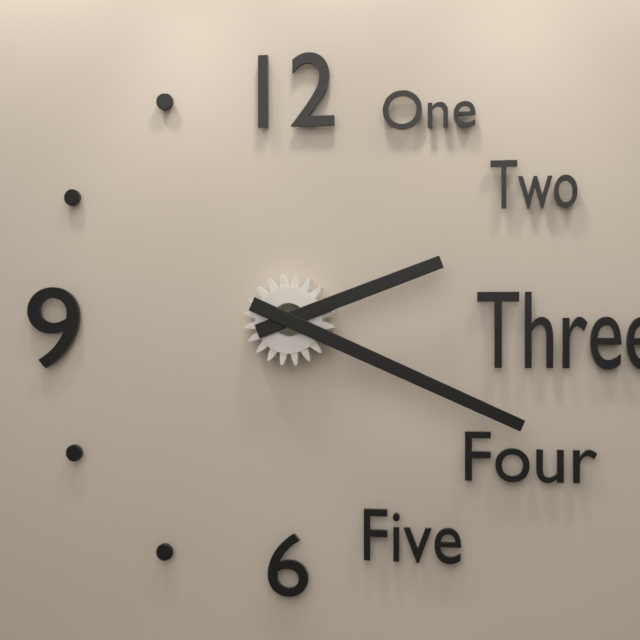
2:19
